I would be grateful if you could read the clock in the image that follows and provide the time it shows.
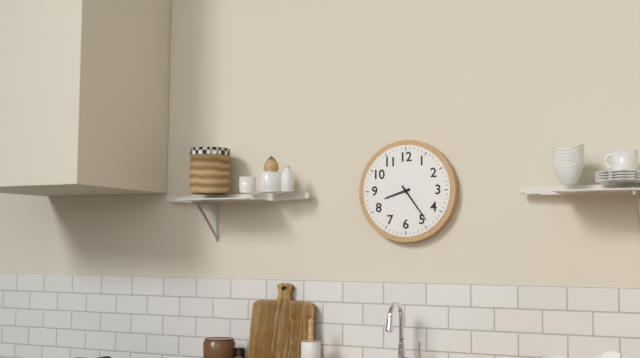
8:24
